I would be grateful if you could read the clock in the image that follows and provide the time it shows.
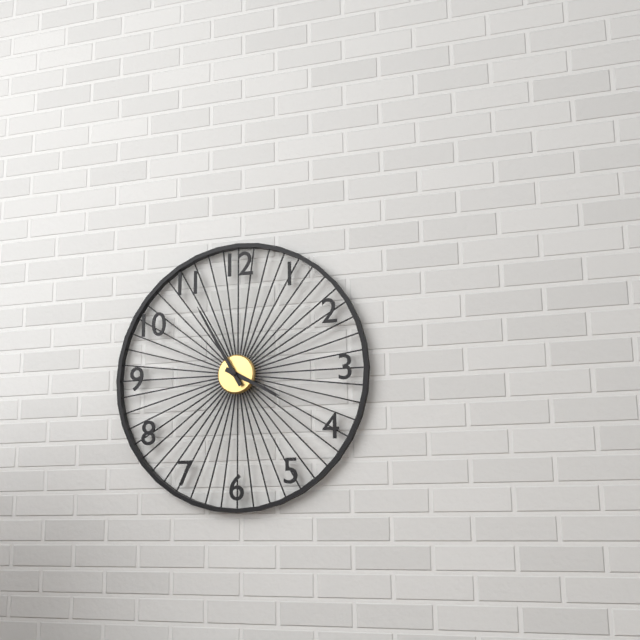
3:55
